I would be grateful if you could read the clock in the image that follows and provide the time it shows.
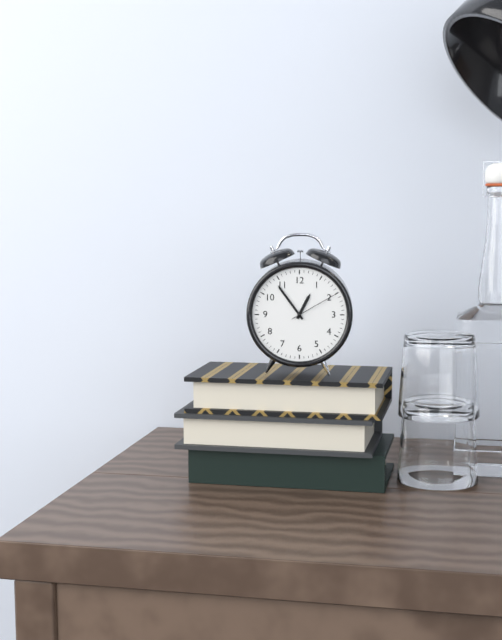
12:54
